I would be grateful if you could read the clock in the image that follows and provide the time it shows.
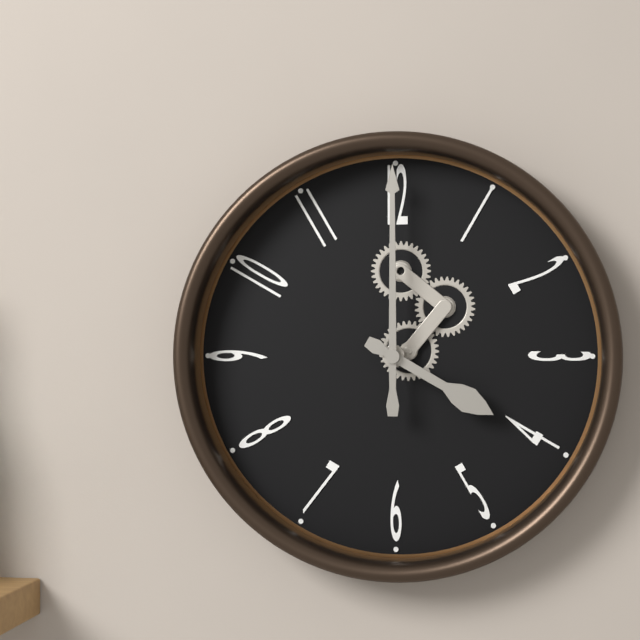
4:00
